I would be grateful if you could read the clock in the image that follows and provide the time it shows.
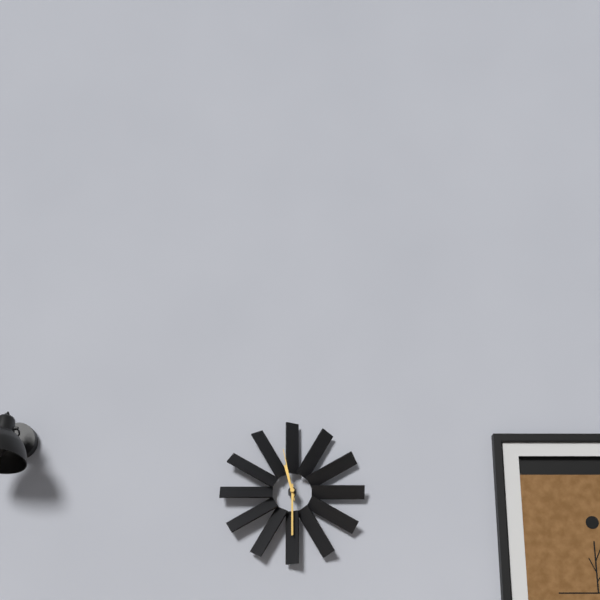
11:30:58
